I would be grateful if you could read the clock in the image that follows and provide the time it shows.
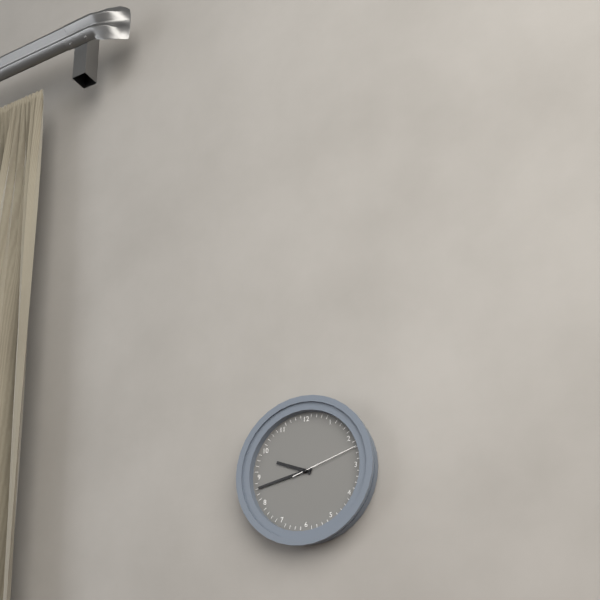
9:43:12
